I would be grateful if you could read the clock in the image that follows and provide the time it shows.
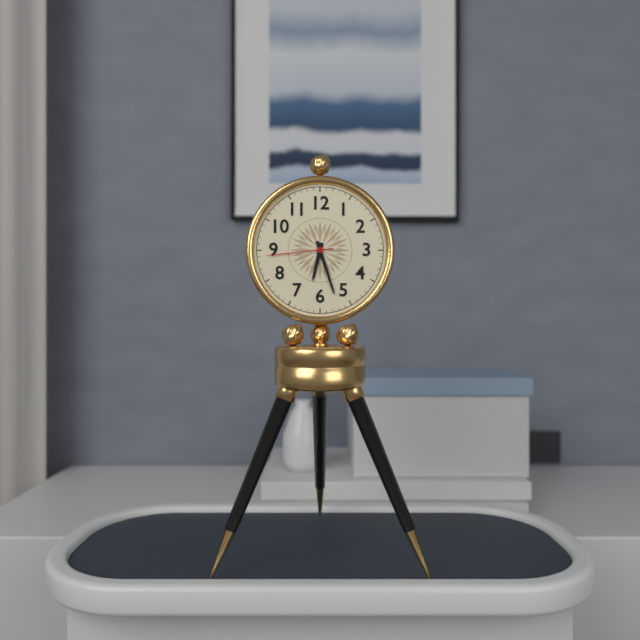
6:27:44
